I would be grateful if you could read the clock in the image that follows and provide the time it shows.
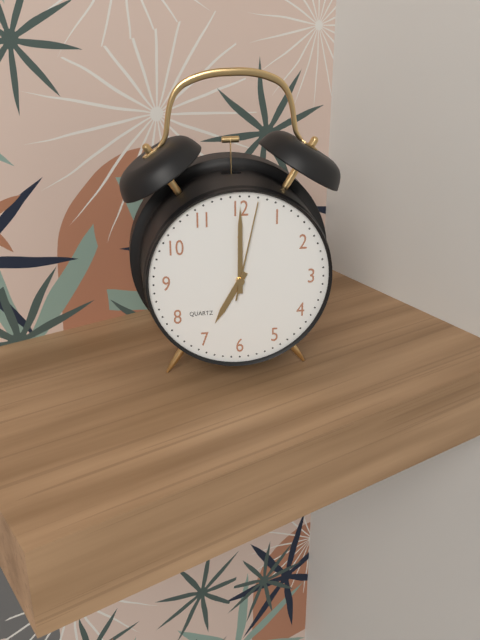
7:00:02
